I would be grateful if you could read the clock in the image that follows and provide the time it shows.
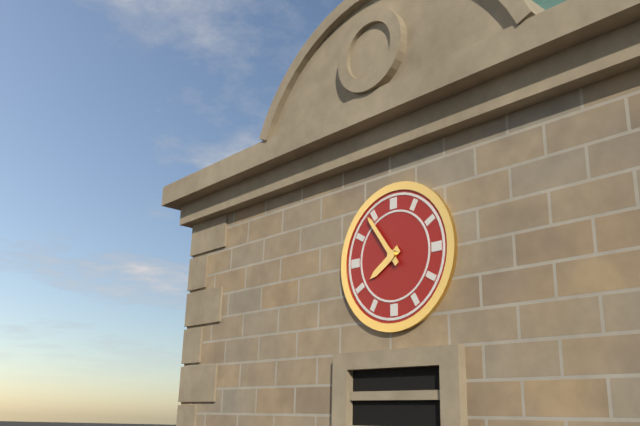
7:54
